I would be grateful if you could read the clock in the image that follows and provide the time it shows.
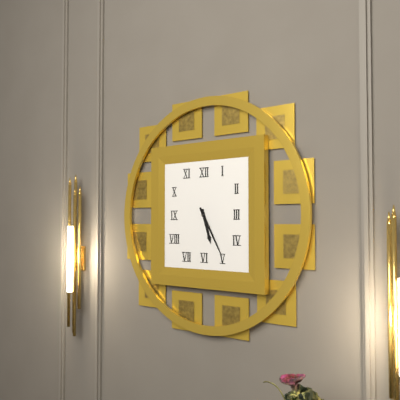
5:25
